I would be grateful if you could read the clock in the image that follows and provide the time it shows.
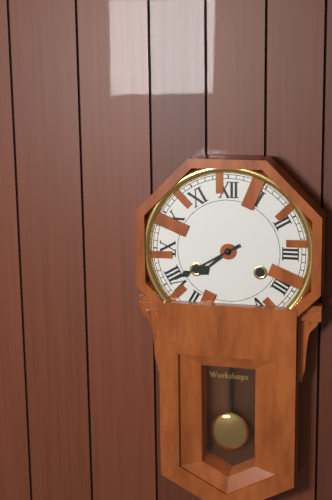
7:40
